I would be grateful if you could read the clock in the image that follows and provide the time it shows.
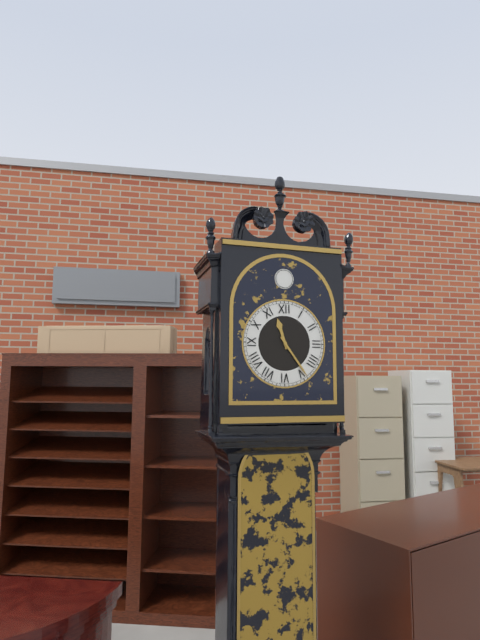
11:24
